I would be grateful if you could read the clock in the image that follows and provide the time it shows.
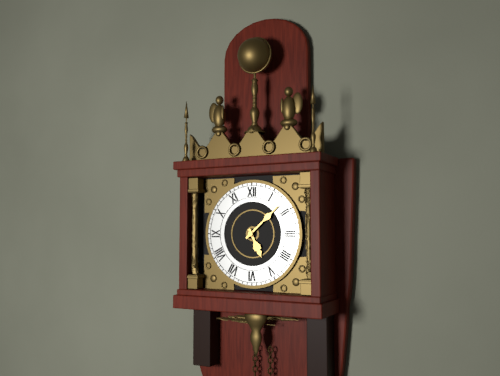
5:08
